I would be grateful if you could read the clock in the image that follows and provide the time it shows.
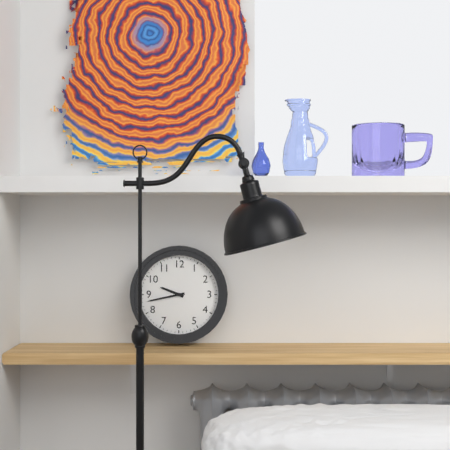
9:43
